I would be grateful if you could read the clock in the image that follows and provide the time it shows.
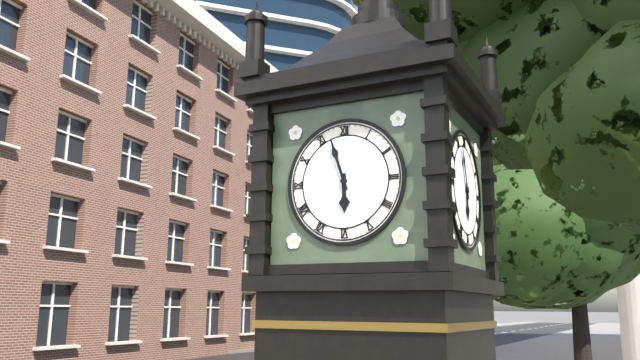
5:57
